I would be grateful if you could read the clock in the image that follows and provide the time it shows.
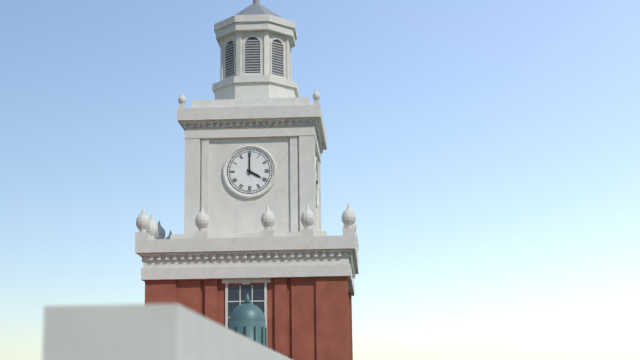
4:00
